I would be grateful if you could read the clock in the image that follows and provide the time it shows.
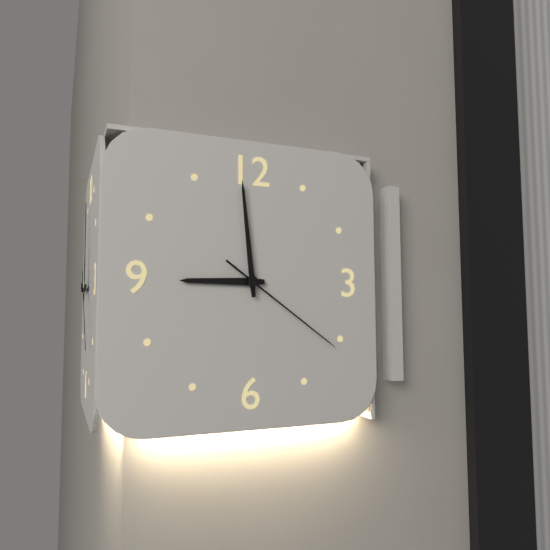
8:59:21
